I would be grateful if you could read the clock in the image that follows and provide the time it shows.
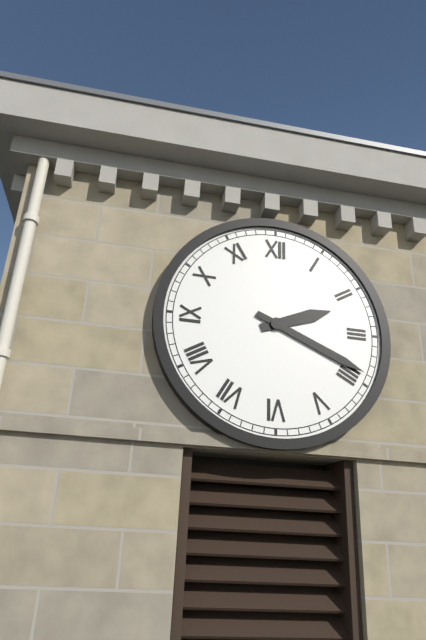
2:19
